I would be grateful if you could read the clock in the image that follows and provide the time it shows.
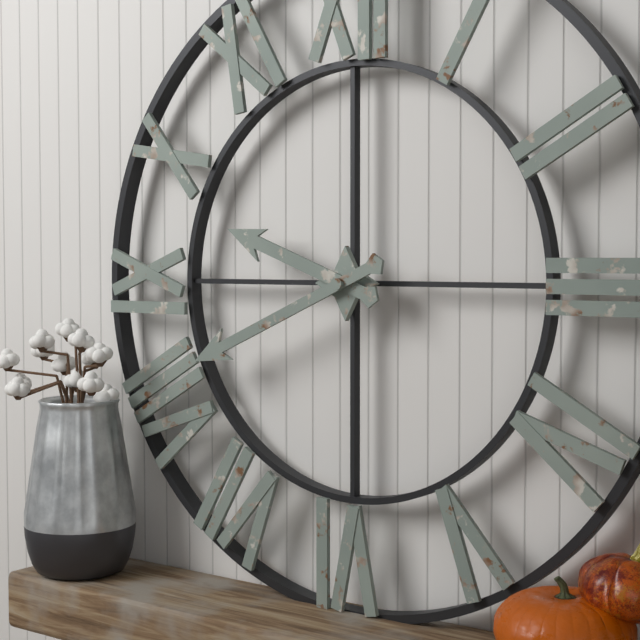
9:41
